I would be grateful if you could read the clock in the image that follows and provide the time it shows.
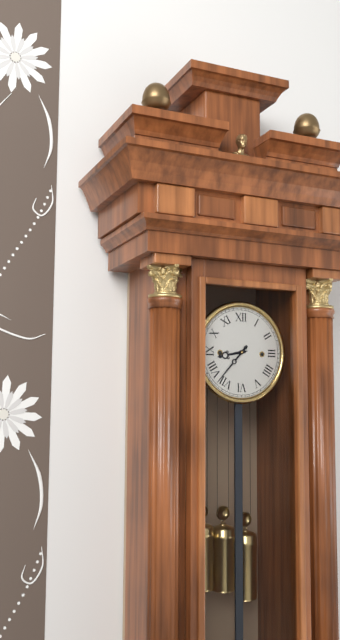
8:37
